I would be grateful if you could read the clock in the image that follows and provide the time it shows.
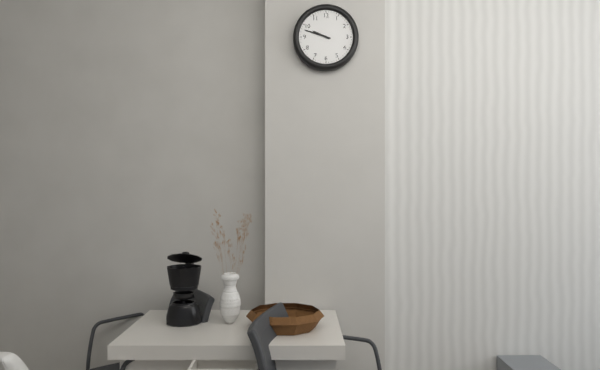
9:48
